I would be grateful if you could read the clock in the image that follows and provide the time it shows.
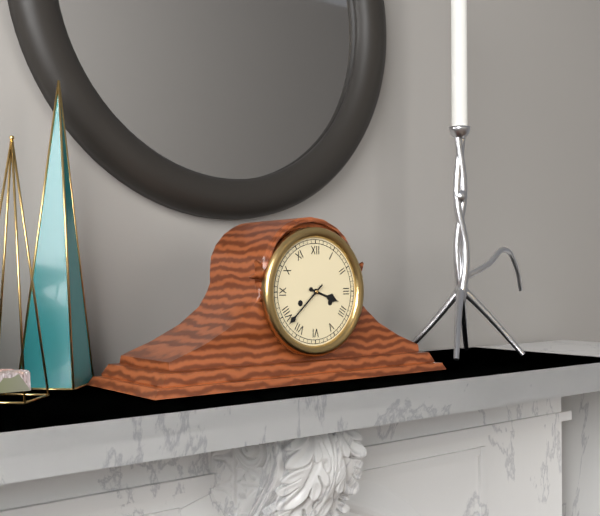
3:38
